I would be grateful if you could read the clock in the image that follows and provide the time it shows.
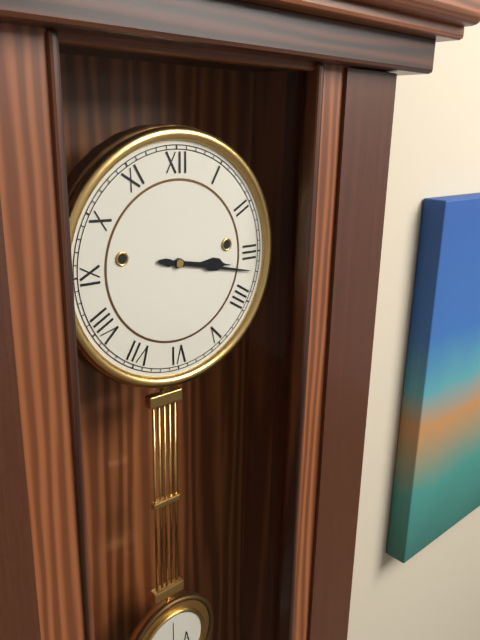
3:17
